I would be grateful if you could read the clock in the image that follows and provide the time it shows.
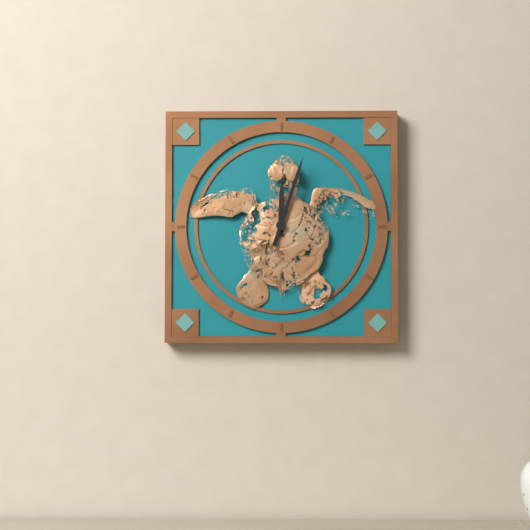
12:03
